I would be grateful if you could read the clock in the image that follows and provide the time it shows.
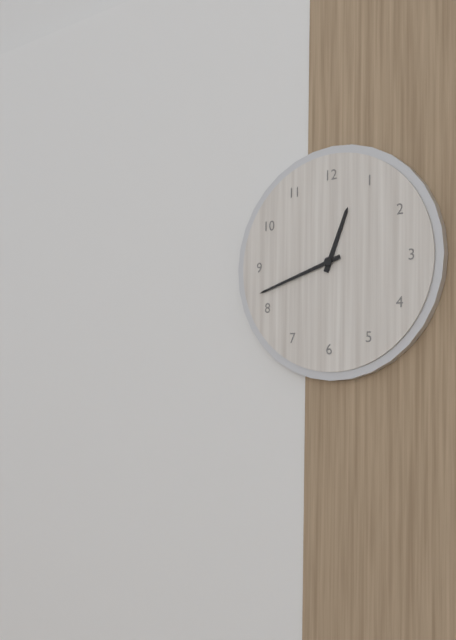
12:42
